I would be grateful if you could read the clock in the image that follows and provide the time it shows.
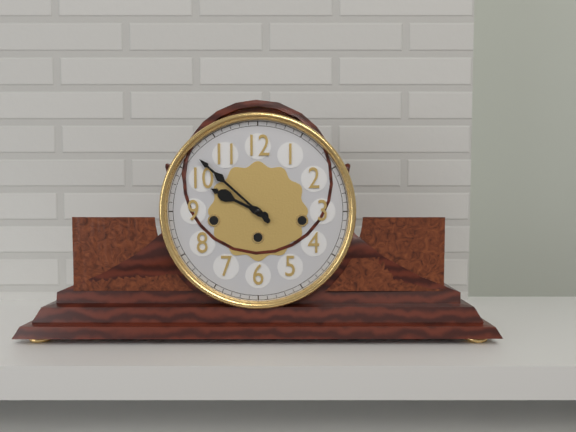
9:52
